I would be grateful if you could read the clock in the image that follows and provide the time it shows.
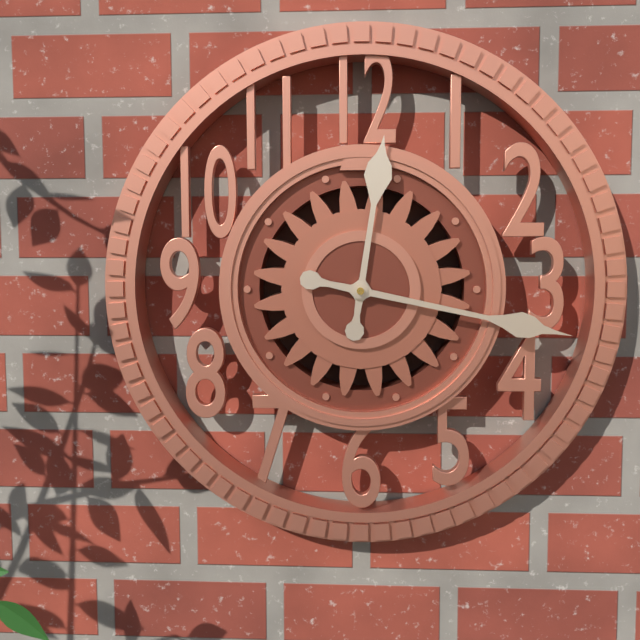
12:17
